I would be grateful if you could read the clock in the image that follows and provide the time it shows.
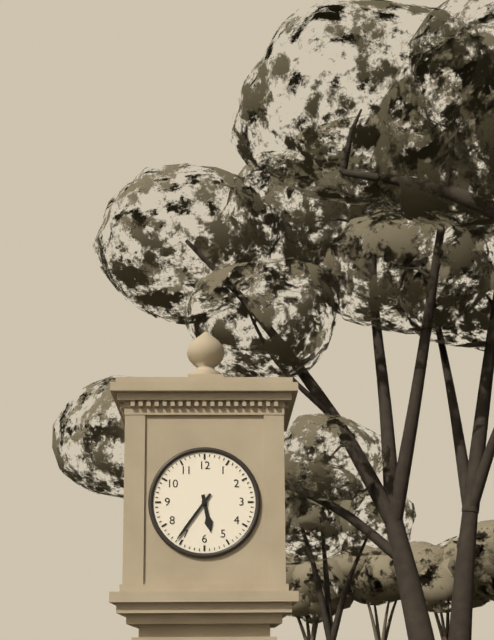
5:36
